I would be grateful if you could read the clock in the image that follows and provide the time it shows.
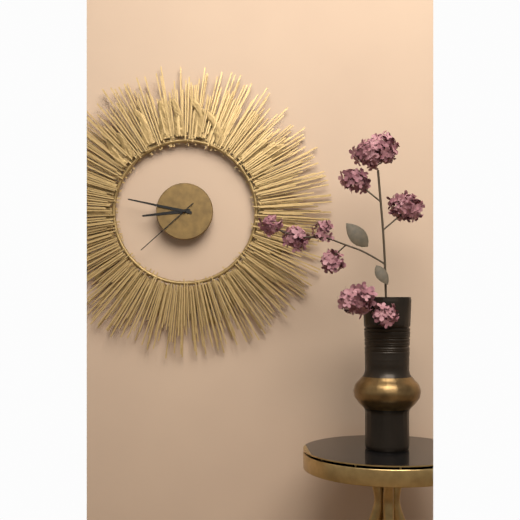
8:47:38
